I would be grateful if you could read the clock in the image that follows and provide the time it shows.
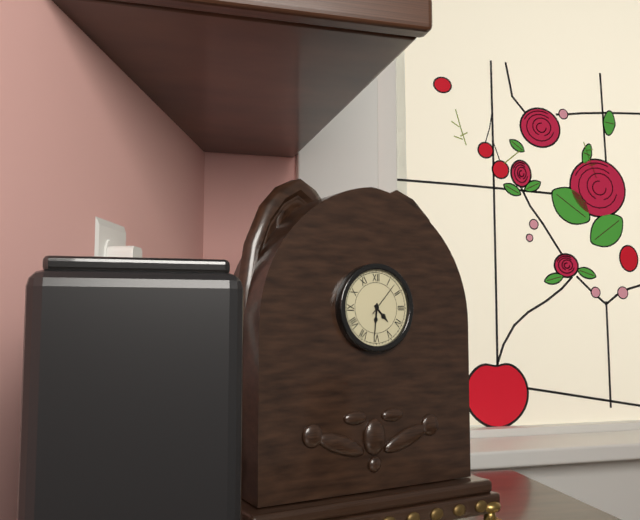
4:31
